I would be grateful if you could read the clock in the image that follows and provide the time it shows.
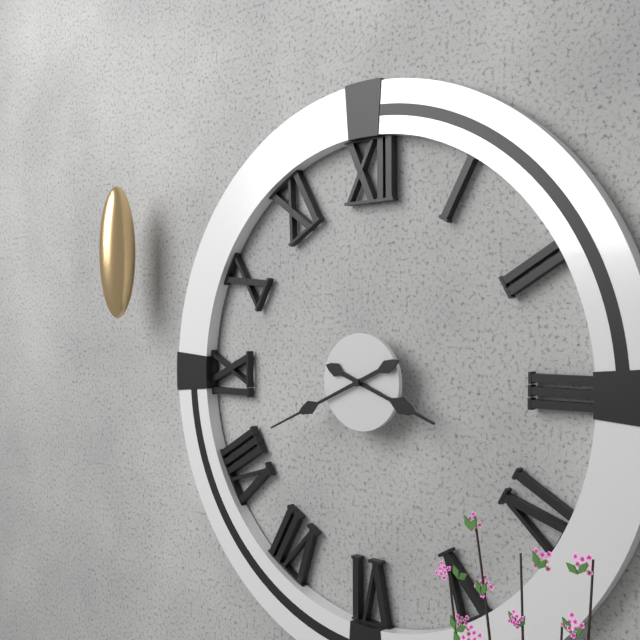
3:41
